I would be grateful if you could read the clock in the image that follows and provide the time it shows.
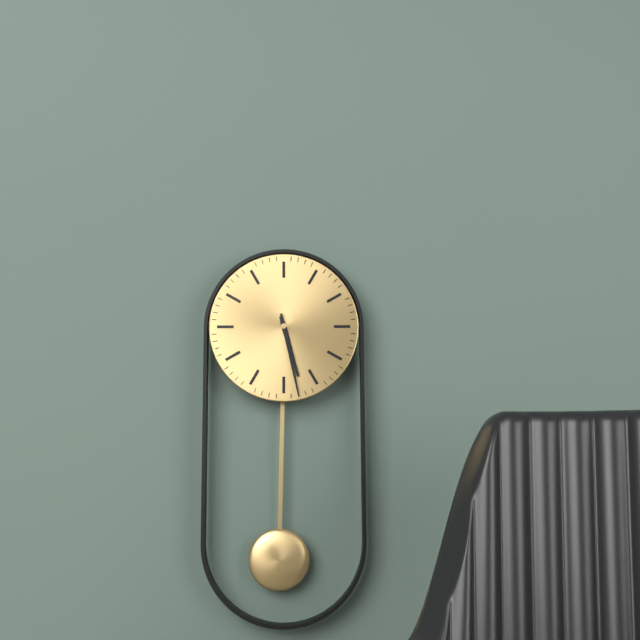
5:28
